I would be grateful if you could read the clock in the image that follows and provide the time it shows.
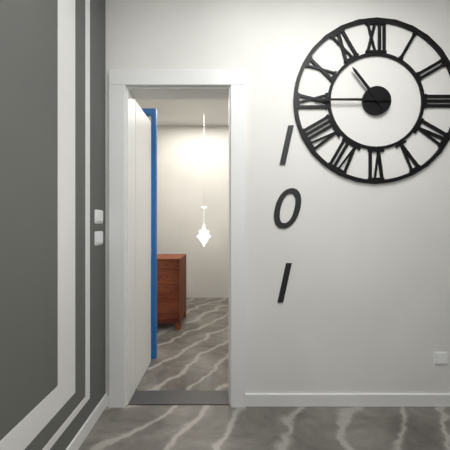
10:45
